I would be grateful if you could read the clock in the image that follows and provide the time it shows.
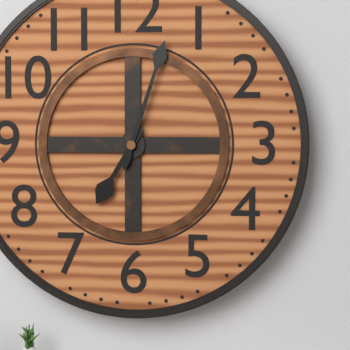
7:03
